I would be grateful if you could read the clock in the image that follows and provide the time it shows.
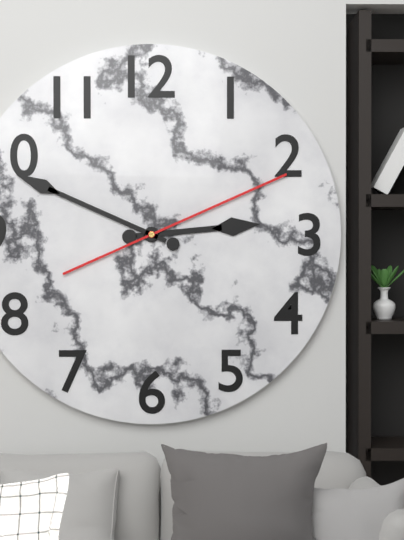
2:49:11
